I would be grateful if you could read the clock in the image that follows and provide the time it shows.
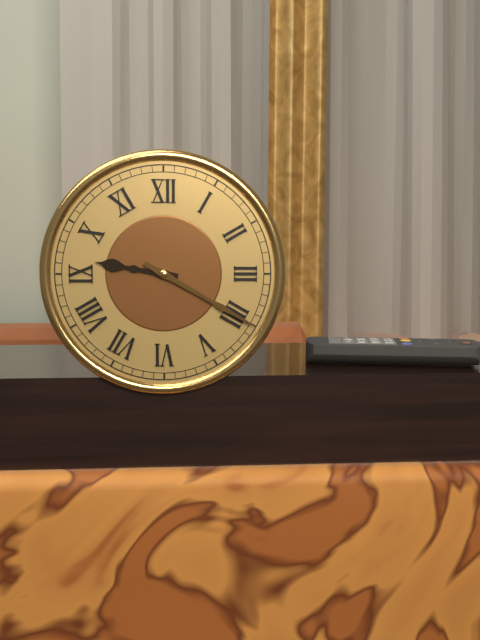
9:20
